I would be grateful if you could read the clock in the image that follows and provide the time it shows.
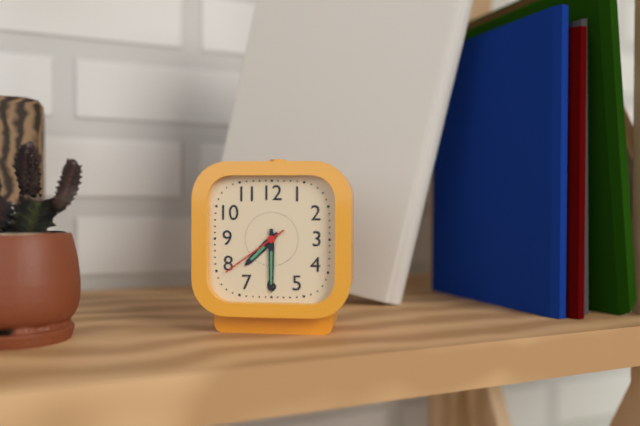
7:30:39
